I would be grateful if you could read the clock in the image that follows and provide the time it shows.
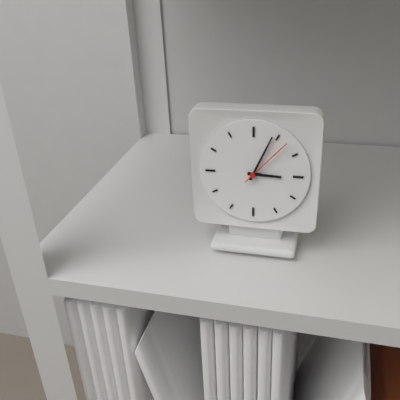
3:04:07
